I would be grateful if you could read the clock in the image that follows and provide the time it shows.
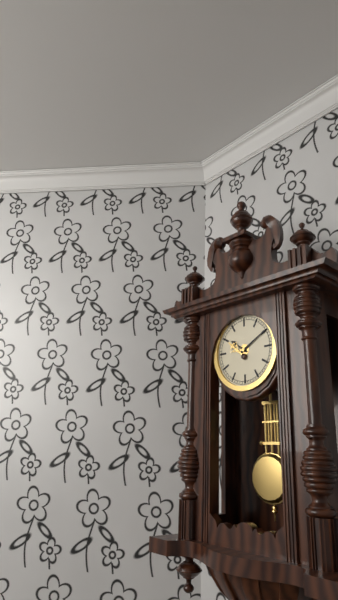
10:10
